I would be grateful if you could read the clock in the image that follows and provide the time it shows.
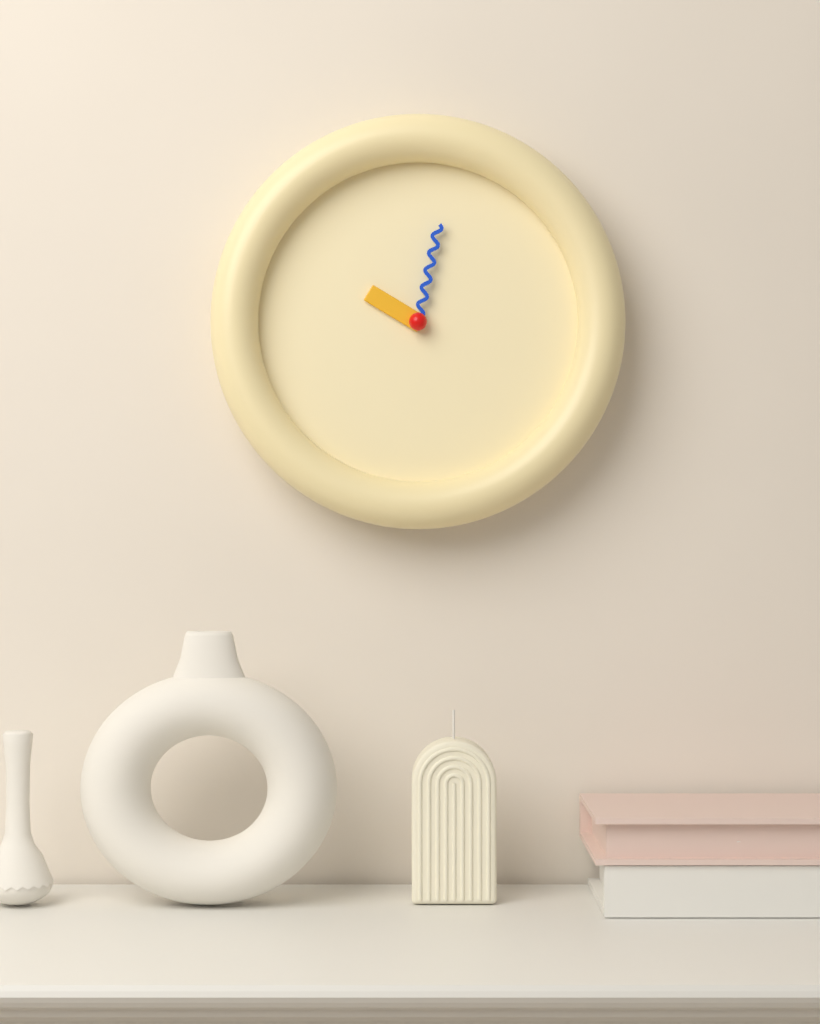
10:02
